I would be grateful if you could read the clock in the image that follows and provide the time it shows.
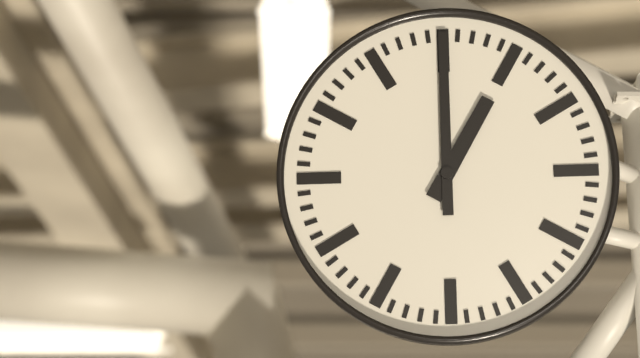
1:00
